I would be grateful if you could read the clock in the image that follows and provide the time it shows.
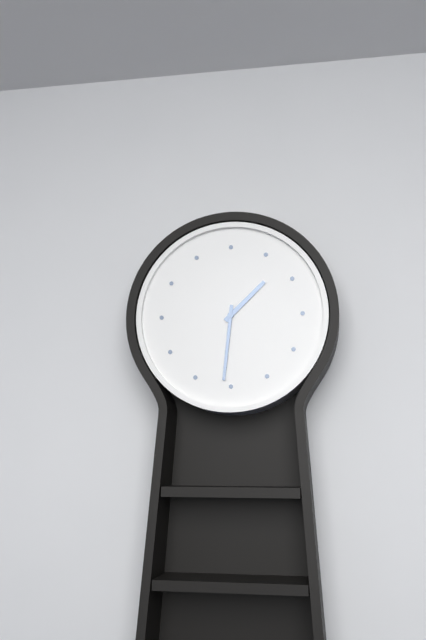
1:31
